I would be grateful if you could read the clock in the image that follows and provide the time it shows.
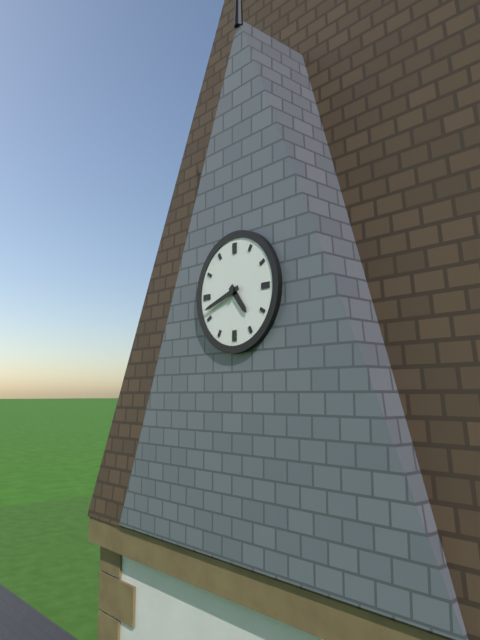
4:42
